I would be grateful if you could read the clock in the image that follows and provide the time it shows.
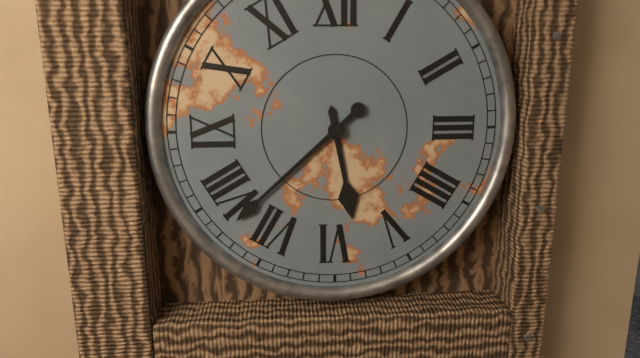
5:38
